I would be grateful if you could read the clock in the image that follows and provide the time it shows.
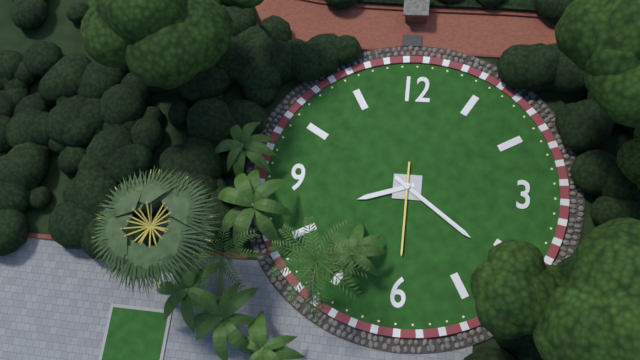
8:21:30
